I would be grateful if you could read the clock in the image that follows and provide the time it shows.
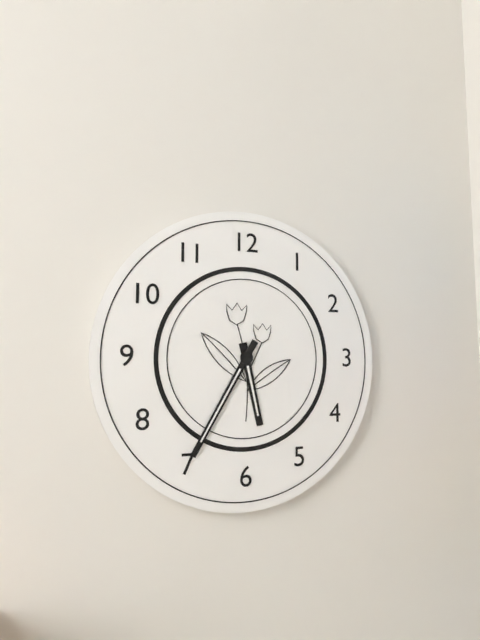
5:35
